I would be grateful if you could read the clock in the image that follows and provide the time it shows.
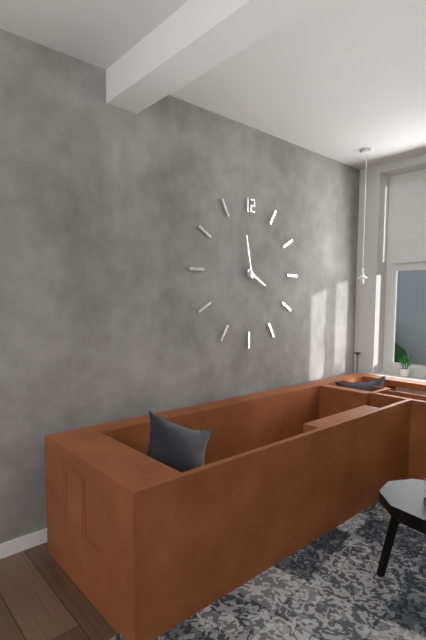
3:58
